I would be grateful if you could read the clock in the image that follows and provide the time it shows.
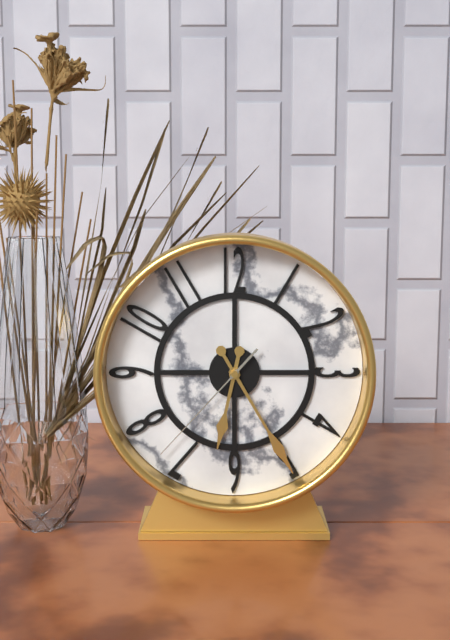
6:25:37
